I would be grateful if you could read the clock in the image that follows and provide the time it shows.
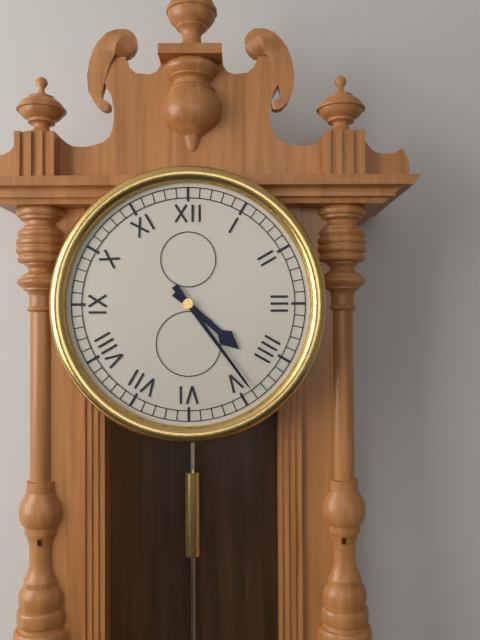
4:24
